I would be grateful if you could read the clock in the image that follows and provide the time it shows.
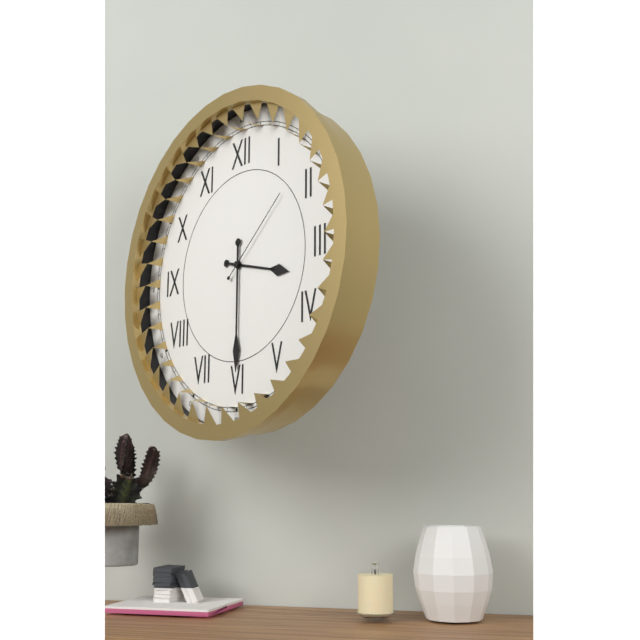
3:30:08
